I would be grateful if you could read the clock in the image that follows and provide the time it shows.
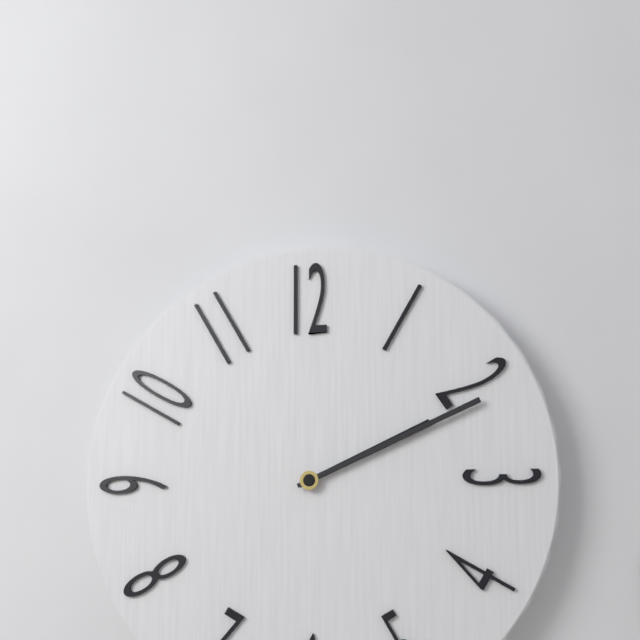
2:11
